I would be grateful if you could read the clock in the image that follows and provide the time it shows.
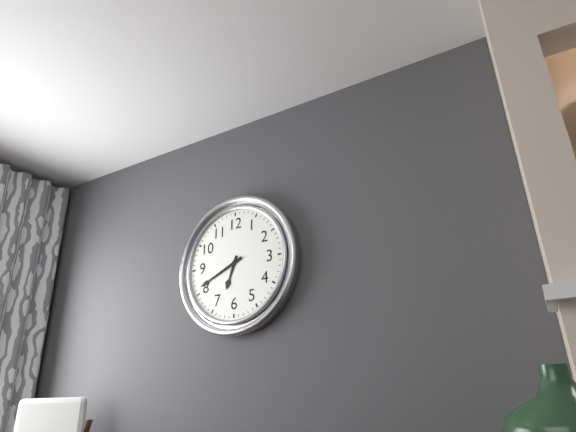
6:41
